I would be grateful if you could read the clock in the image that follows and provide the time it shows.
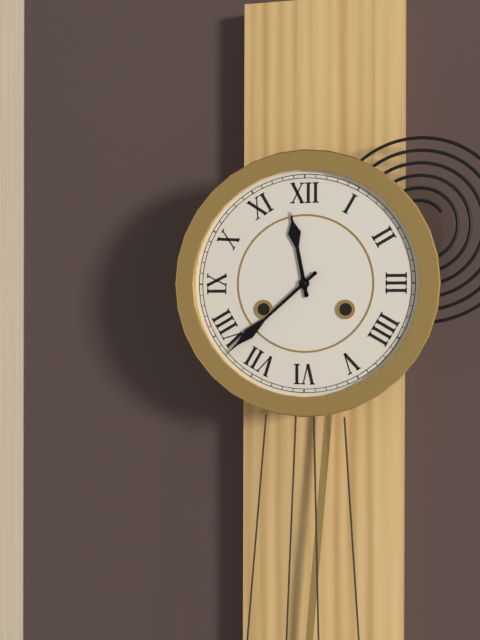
11:38
